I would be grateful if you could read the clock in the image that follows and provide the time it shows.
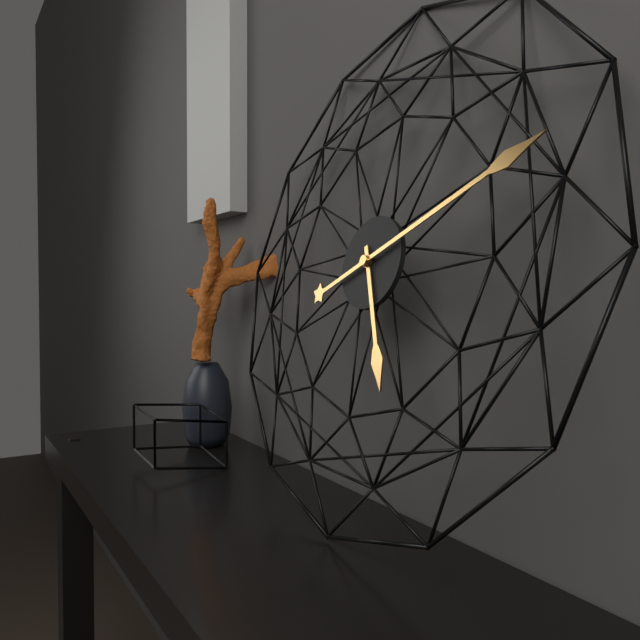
5:11
